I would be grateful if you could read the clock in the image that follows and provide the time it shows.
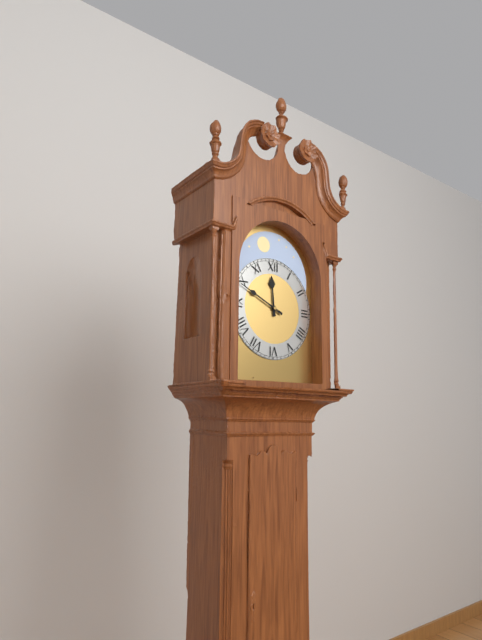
11:49
